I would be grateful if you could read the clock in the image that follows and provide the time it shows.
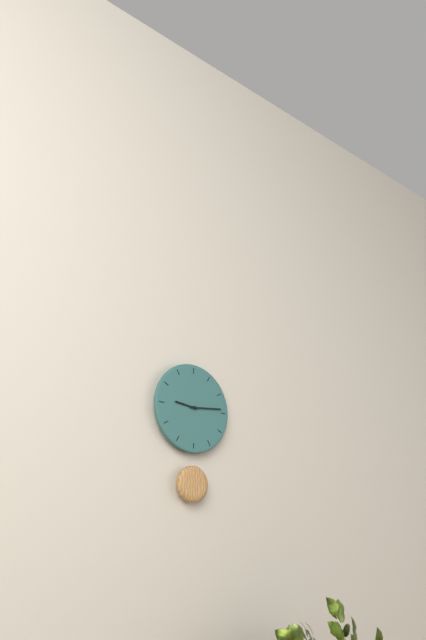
9:14
